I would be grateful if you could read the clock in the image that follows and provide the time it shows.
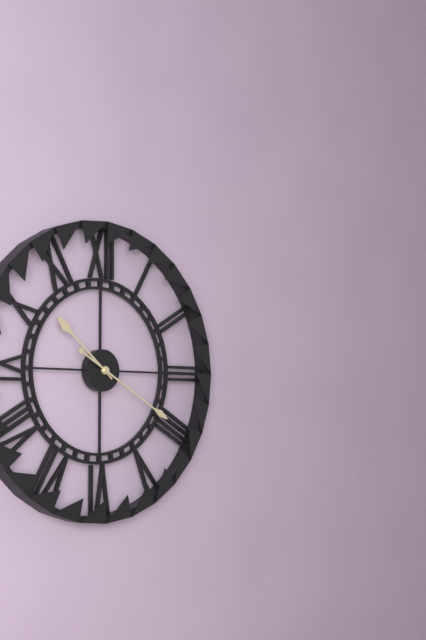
10:20
